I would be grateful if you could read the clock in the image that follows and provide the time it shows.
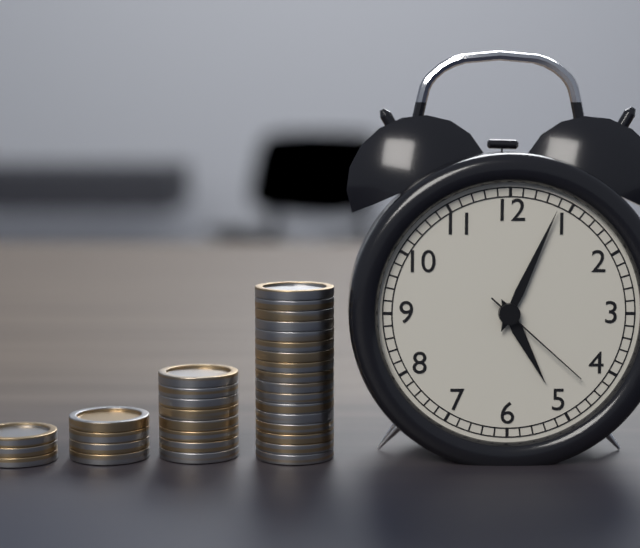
5:04:22
